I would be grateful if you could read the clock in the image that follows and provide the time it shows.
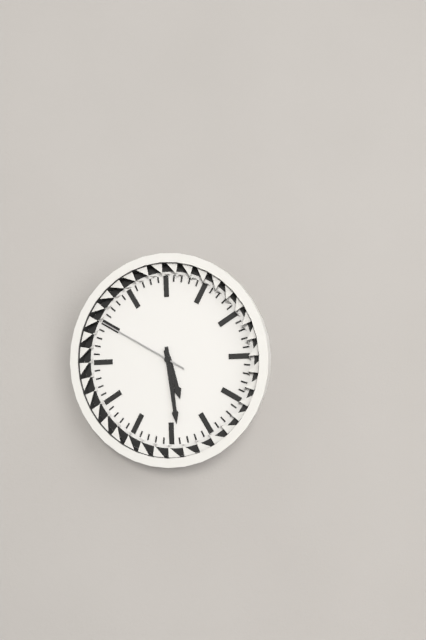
5:29:50
